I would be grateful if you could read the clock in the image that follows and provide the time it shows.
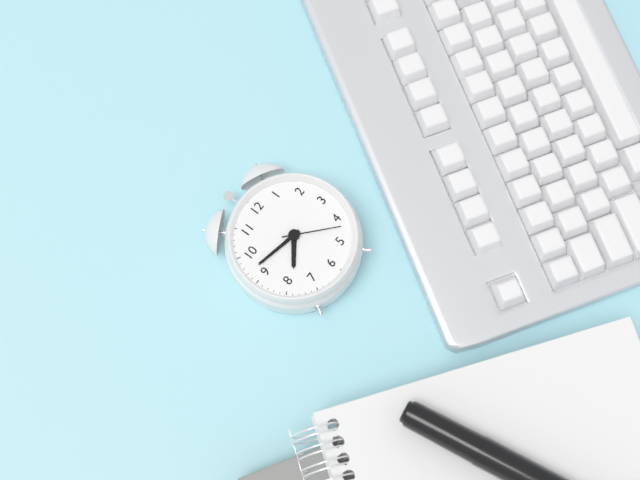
7:47:22
